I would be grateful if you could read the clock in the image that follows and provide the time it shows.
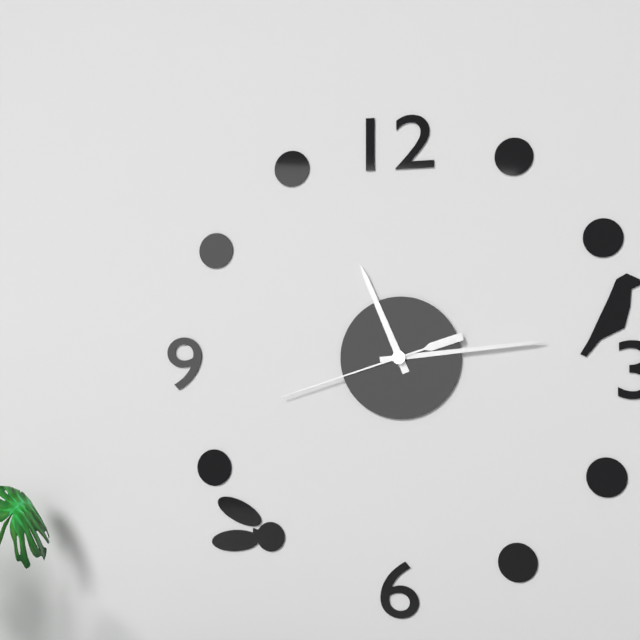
11:14:42
